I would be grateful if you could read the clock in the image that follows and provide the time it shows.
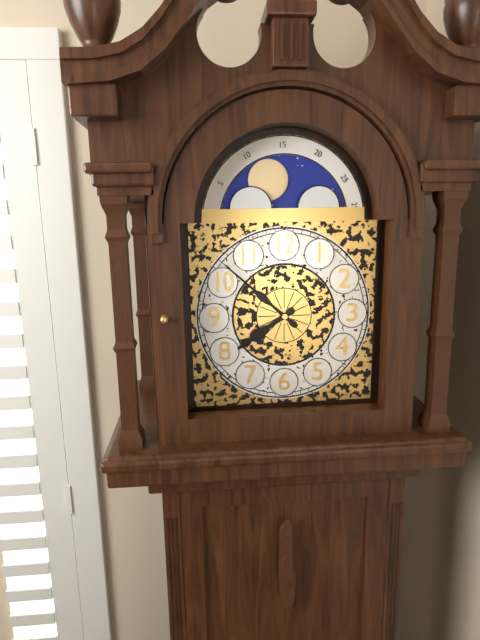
7:52
